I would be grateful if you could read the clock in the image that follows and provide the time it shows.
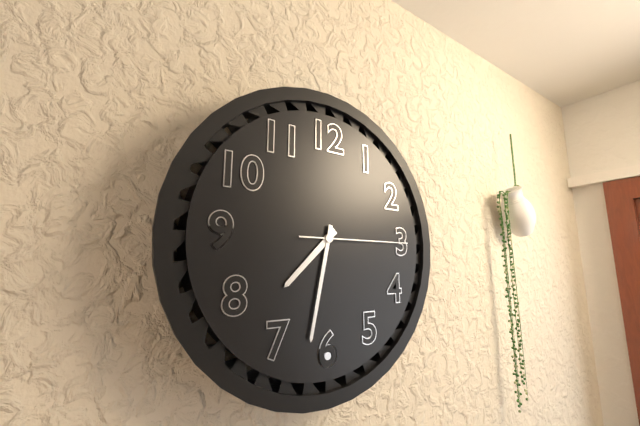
7:32:15
